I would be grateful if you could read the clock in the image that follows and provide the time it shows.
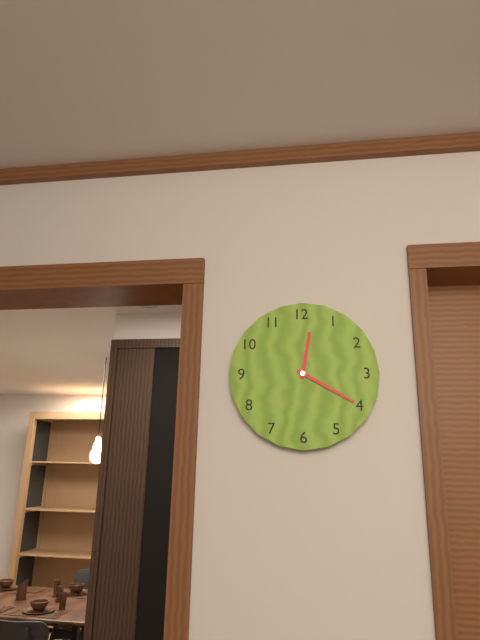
12:20
